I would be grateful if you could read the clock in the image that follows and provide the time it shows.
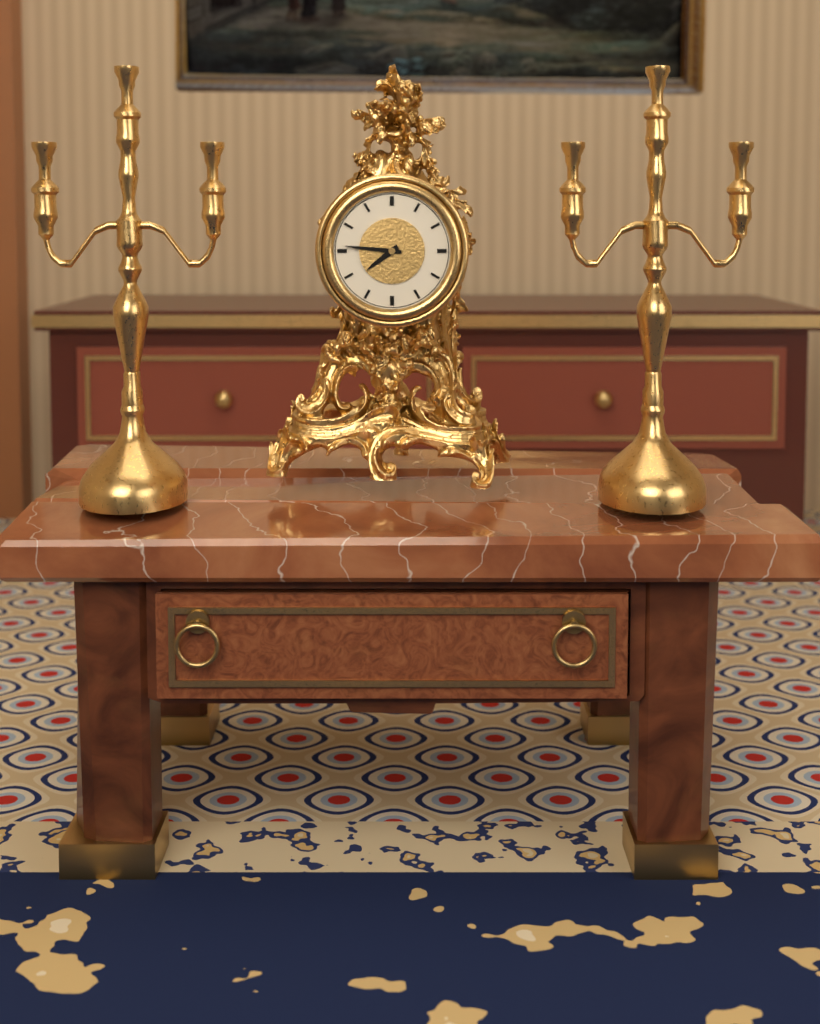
7:46
